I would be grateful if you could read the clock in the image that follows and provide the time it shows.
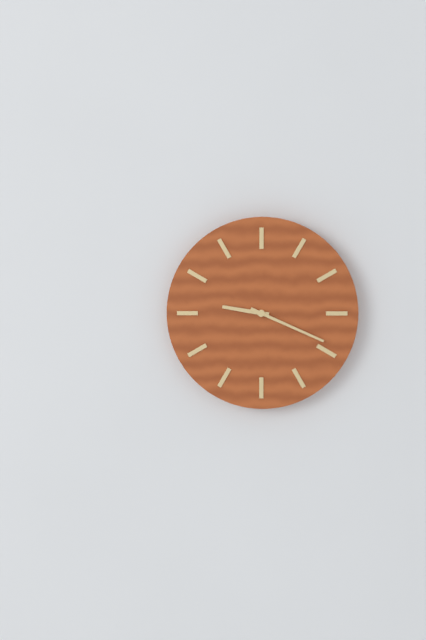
9:19
